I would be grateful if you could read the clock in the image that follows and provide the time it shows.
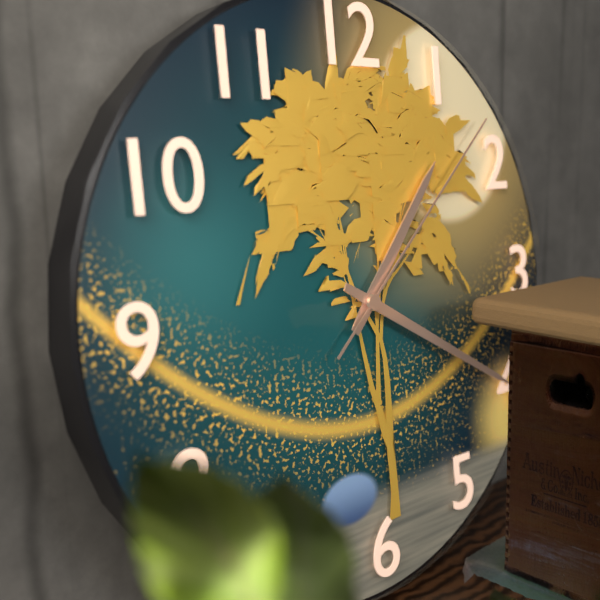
1:20:08
